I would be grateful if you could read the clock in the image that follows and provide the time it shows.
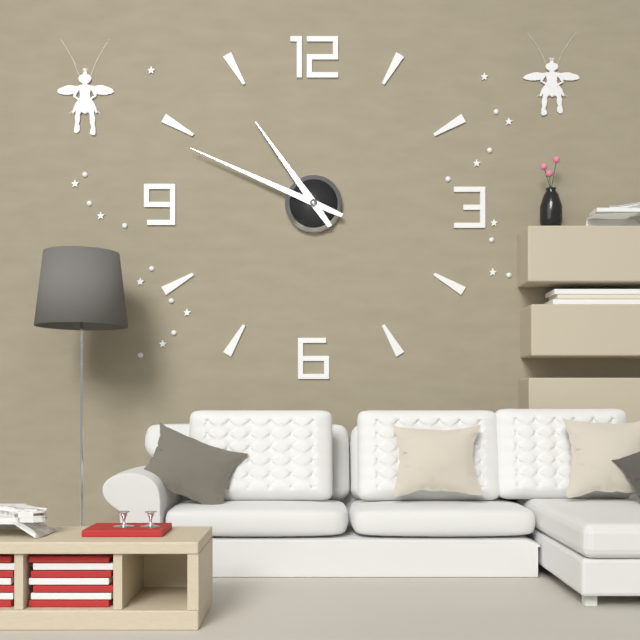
10:49
